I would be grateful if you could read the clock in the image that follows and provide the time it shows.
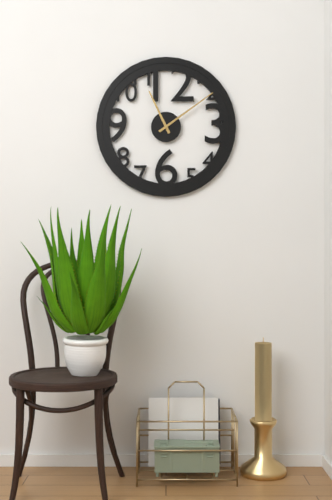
11:09
